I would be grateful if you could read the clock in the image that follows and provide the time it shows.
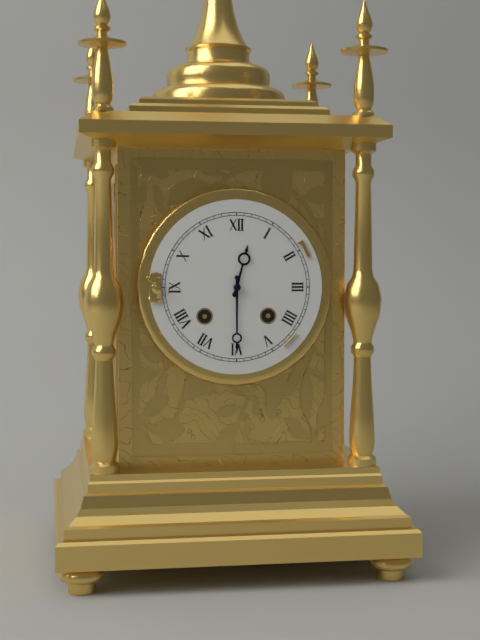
12:30
